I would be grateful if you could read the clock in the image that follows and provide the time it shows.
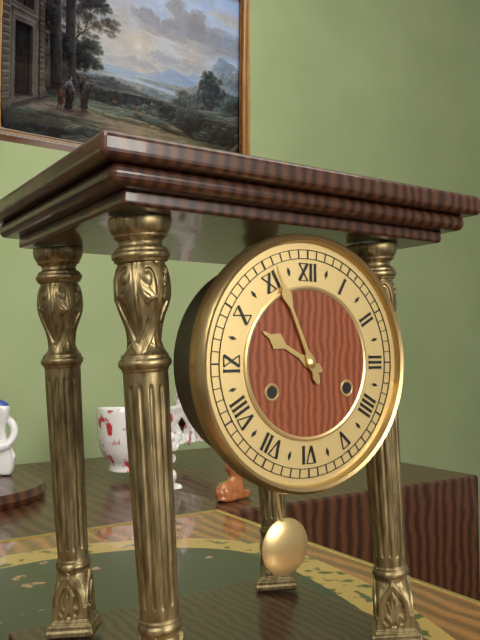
9:56
